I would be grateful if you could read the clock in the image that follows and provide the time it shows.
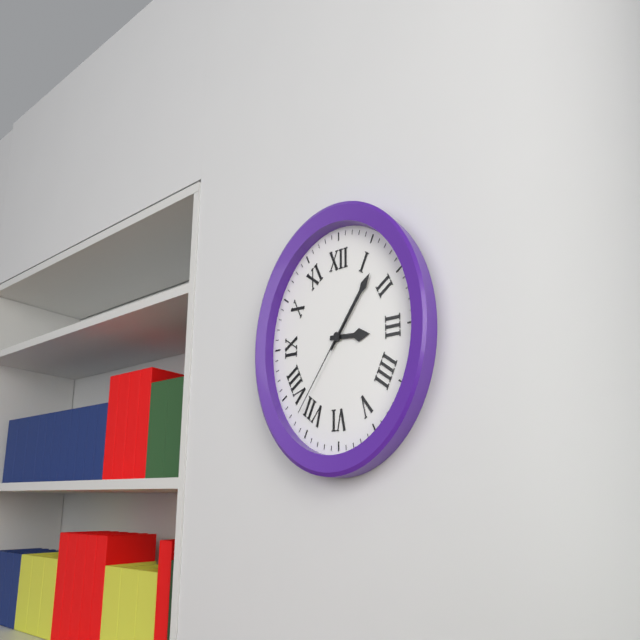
3:07:37
